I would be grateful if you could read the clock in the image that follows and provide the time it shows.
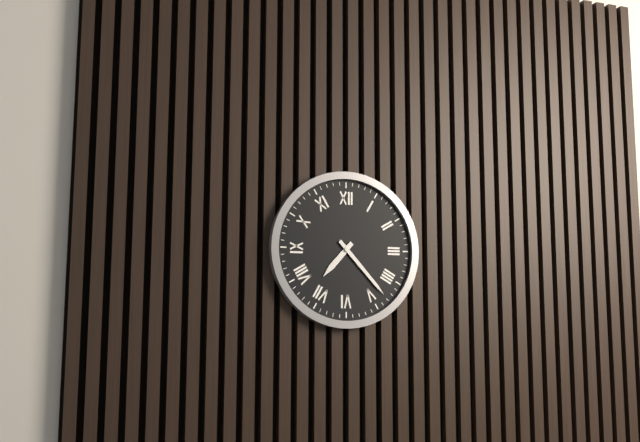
7:23
